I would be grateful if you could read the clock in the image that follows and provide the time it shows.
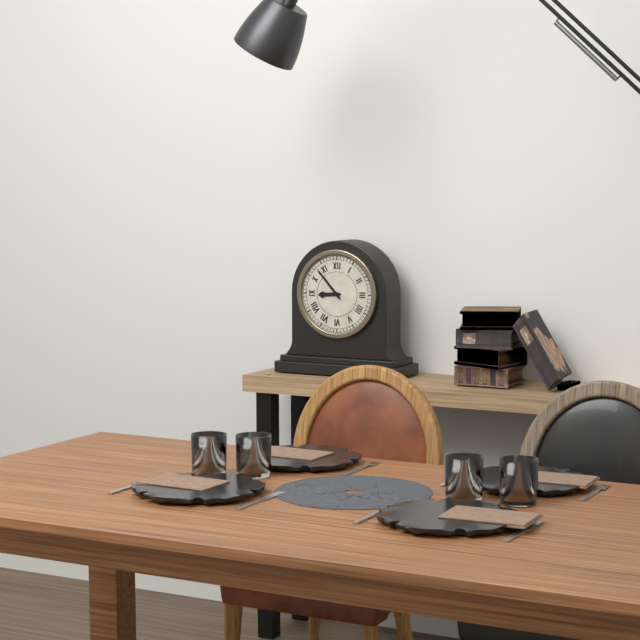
8:53
